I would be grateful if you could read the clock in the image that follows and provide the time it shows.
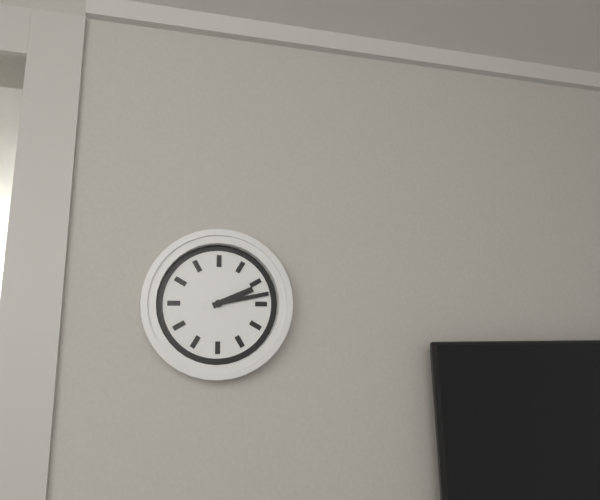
2:13
